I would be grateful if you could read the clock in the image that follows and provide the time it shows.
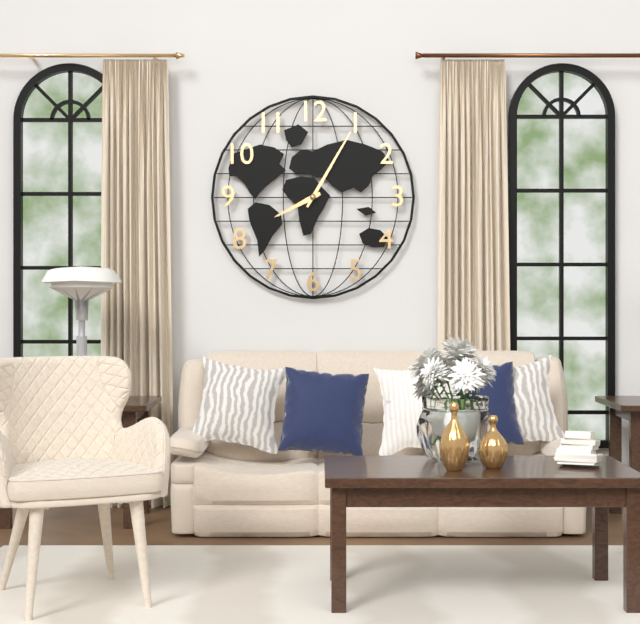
8:05
